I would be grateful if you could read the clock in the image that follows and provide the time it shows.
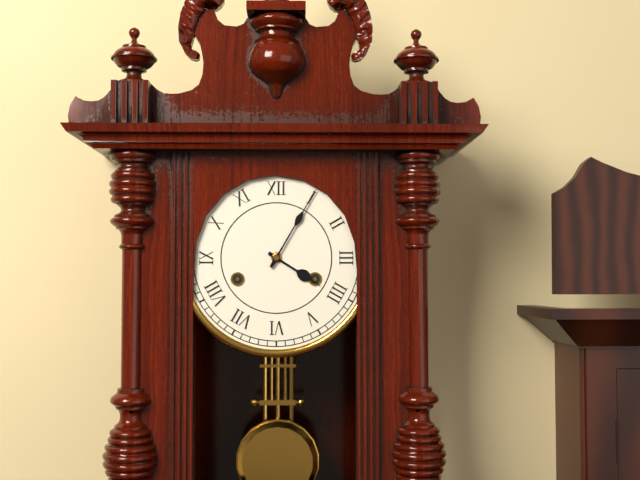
4:05
